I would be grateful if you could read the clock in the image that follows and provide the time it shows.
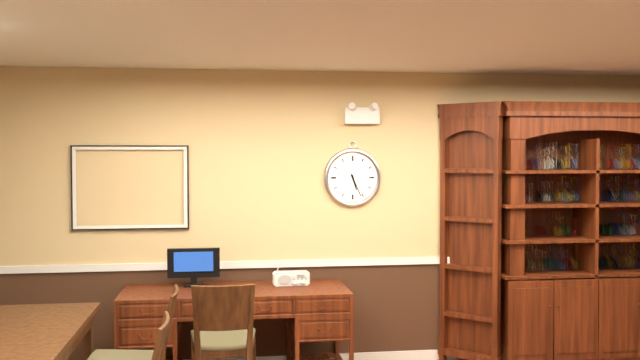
5:26
